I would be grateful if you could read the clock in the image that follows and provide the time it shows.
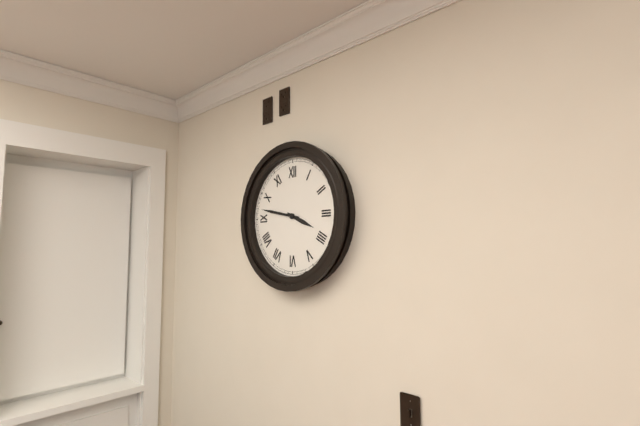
3:47
